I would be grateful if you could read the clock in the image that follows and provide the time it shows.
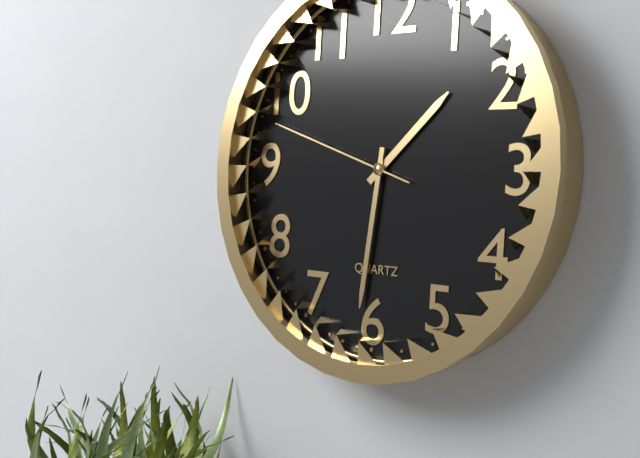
1:31:48
